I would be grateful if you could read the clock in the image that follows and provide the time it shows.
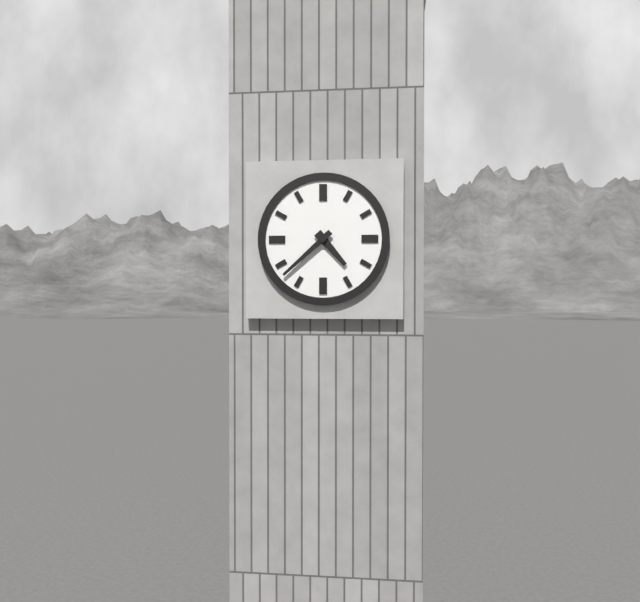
4:38
